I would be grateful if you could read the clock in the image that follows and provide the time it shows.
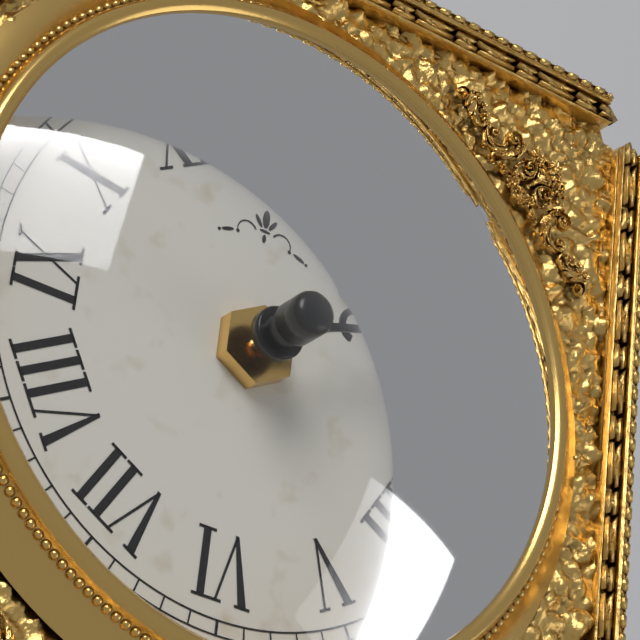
2:12
